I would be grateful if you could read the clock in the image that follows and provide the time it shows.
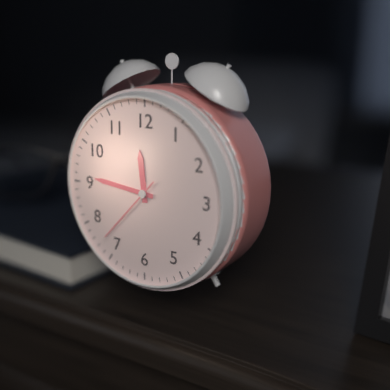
11:46:37
